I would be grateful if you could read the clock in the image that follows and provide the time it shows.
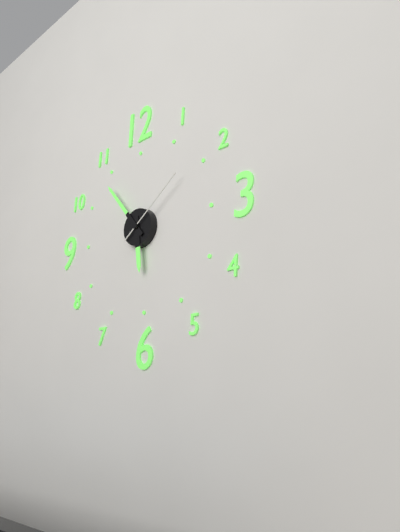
5:54:09
